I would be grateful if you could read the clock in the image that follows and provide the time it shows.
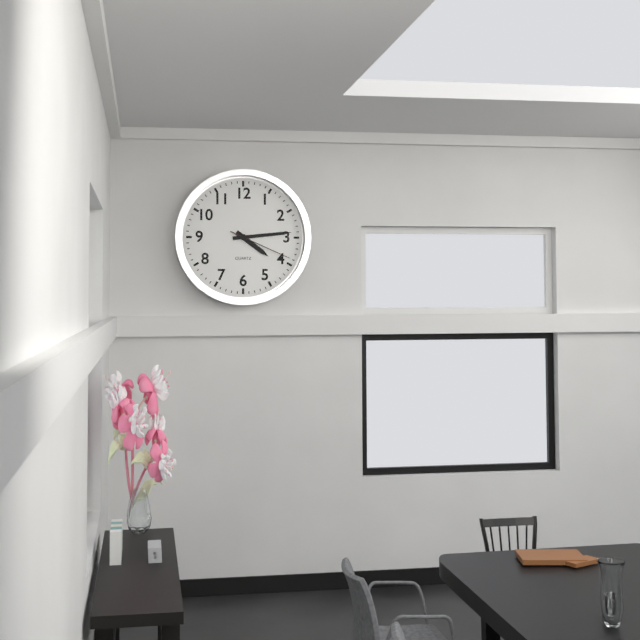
4:14:19
